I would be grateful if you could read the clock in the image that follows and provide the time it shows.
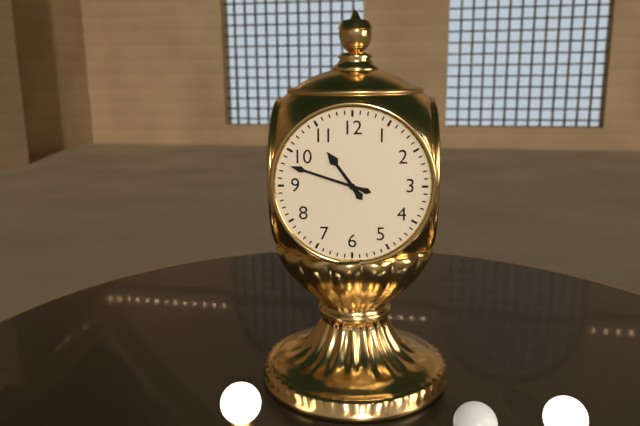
10:48
